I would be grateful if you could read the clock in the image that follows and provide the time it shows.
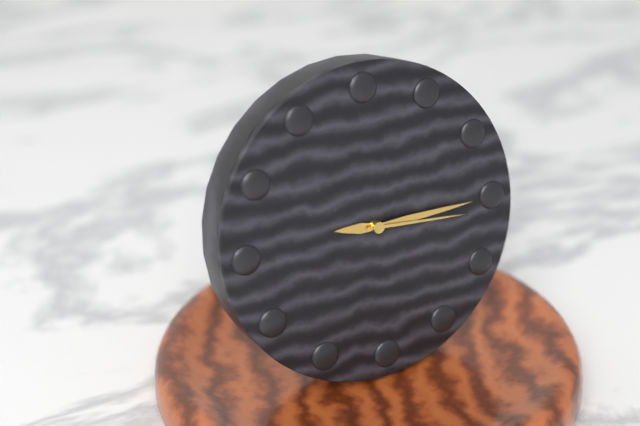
9:15:16
